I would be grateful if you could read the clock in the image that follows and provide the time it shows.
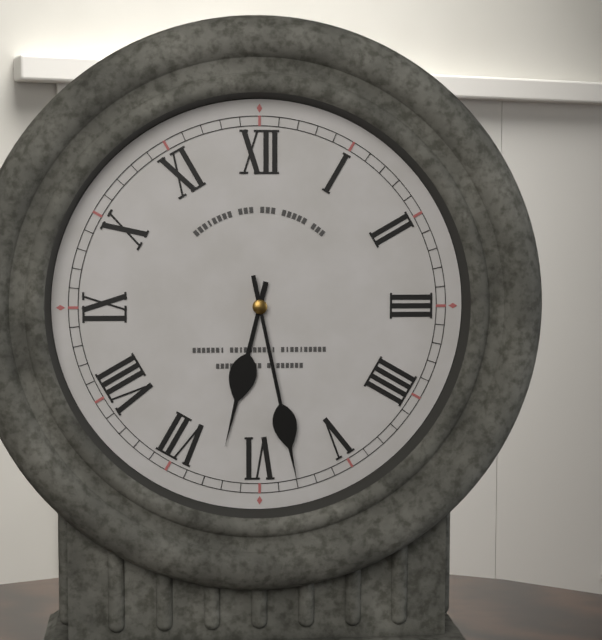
6:28
